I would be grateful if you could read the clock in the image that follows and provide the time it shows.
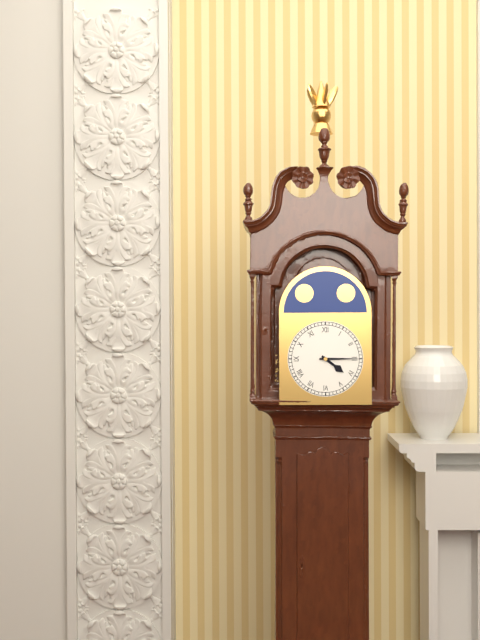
4:15
